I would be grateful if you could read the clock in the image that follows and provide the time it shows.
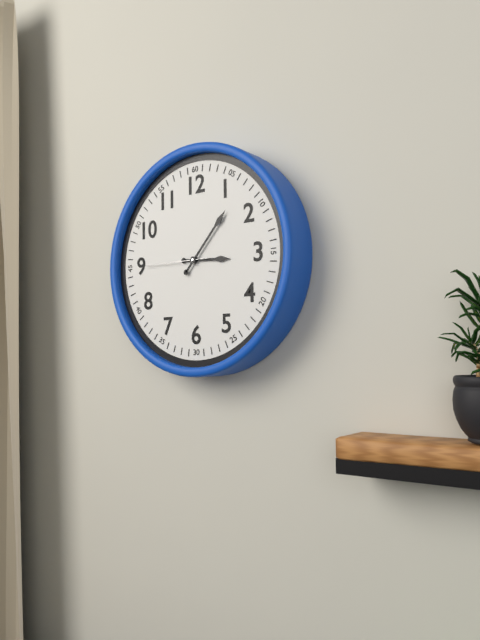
3:07:45
